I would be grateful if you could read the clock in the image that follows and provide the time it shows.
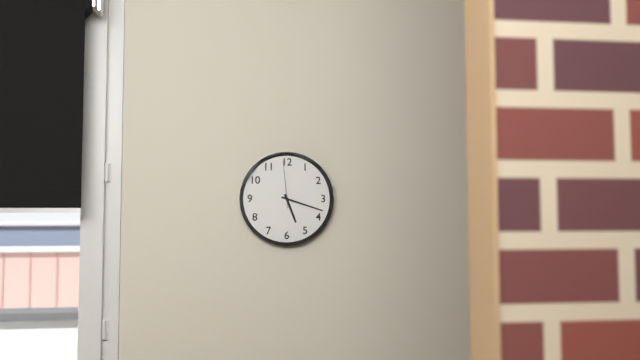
5:18
